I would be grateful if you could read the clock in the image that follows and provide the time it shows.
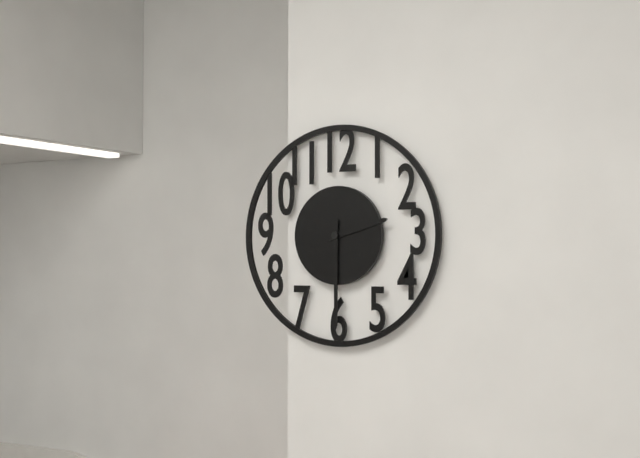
2:30
